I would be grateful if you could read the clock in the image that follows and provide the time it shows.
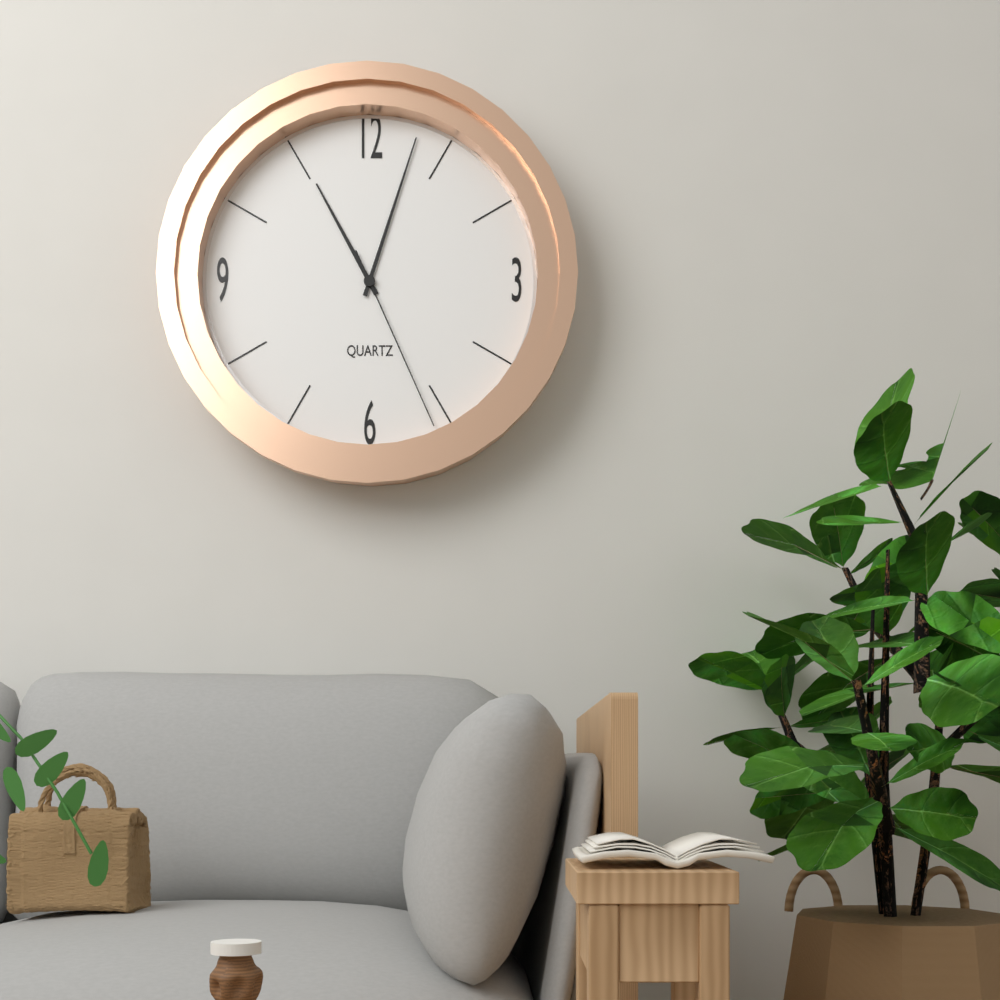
11:03:26
